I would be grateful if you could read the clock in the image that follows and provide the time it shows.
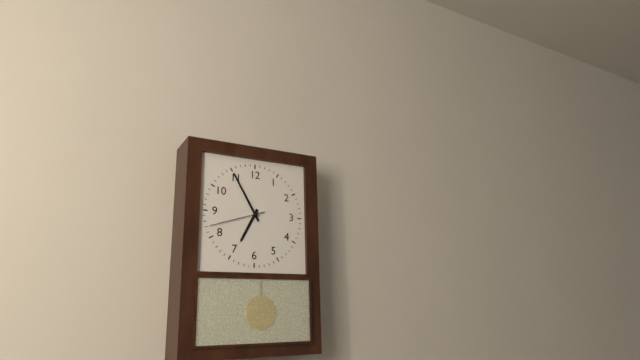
6:55:42
